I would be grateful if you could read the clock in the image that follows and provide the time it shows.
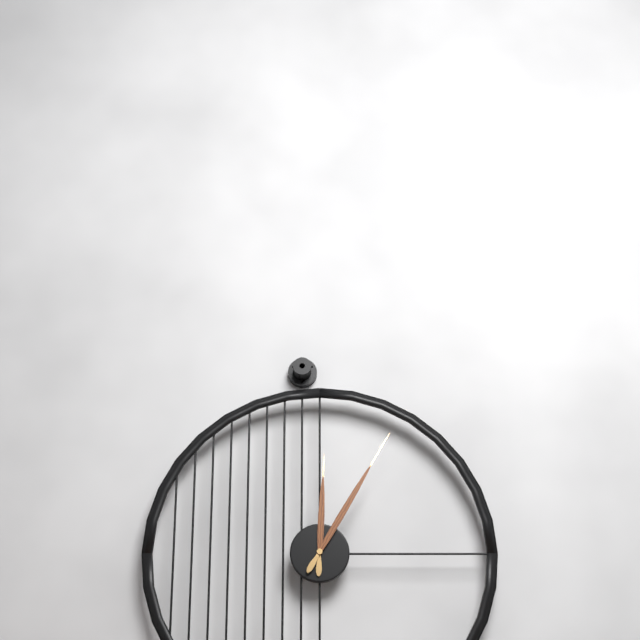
12:05
